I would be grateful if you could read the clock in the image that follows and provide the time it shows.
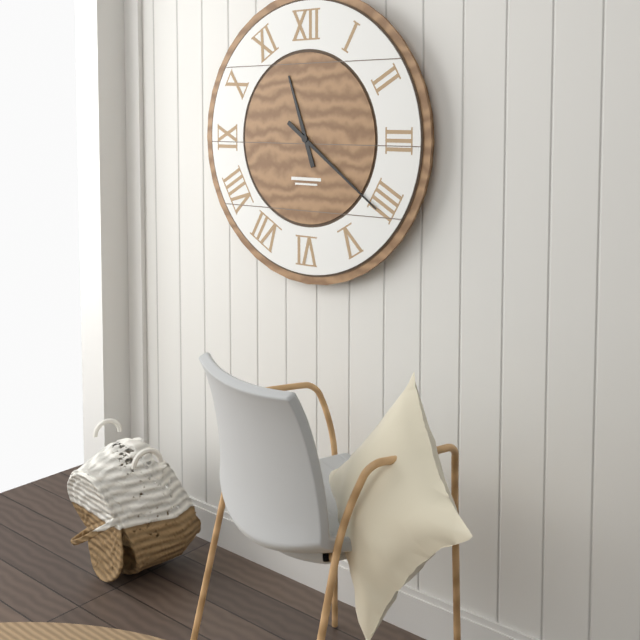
11:21
